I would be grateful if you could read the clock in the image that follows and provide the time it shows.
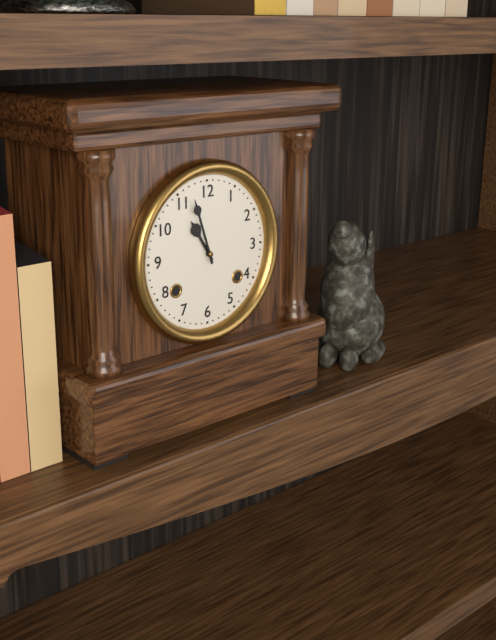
10:57
